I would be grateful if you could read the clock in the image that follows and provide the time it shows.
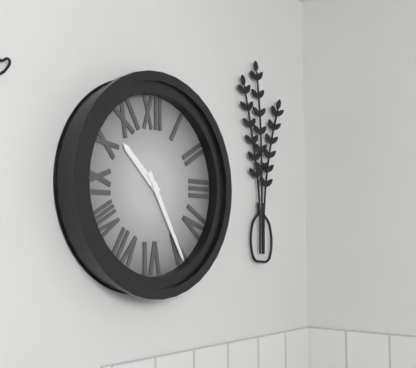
10:25
